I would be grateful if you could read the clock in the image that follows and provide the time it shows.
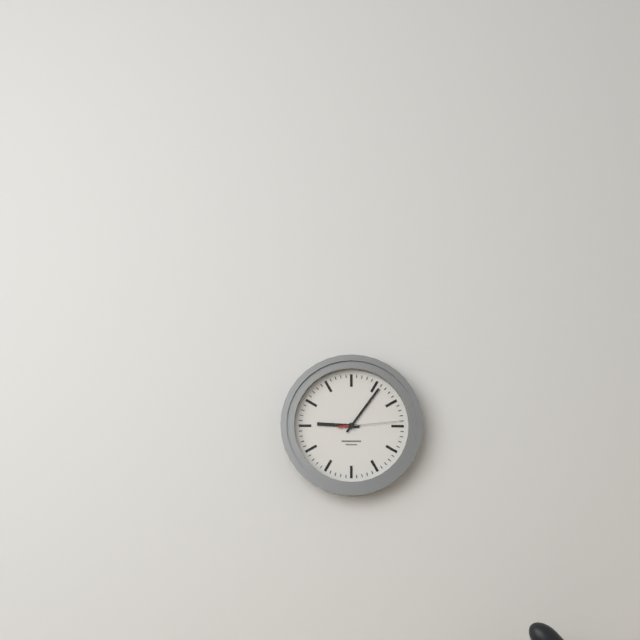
9:06:14
